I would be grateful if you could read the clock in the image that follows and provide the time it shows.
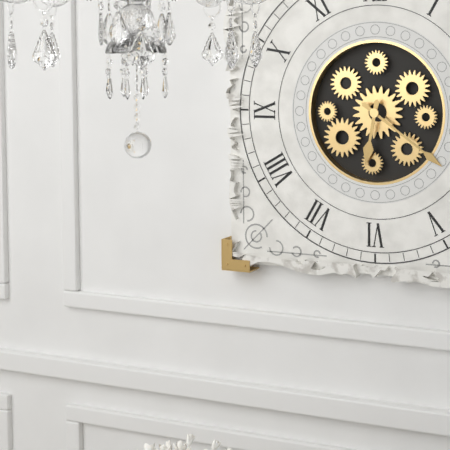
6:21
